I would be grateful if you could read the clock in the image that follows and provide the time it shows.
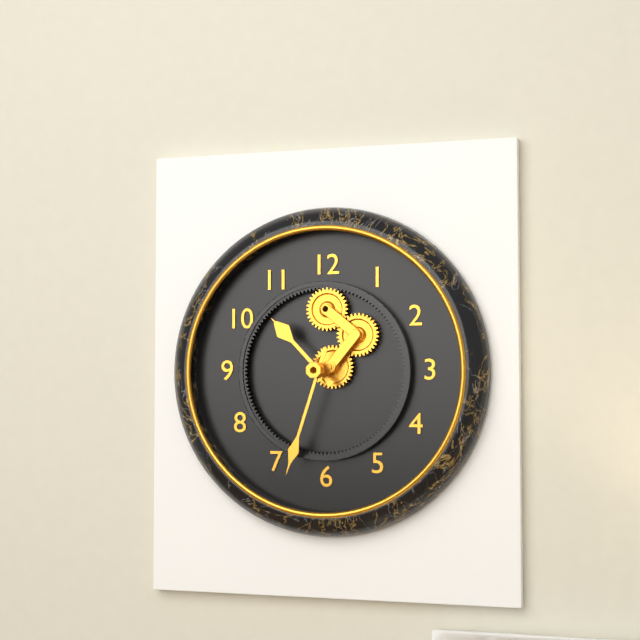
10:33
